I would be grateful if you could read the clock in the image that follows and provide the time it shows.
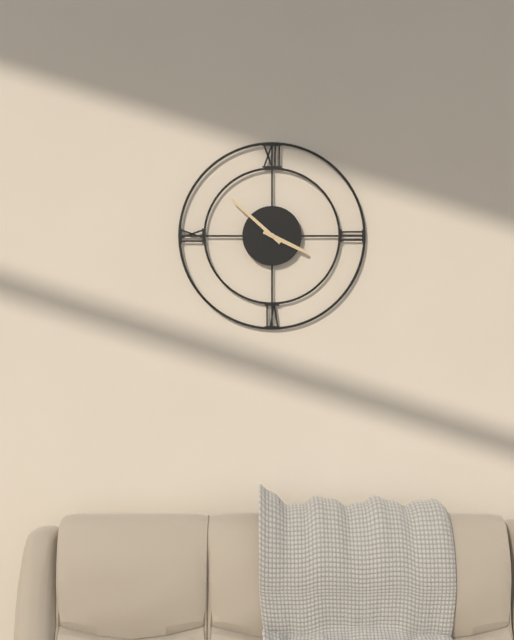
3:52
